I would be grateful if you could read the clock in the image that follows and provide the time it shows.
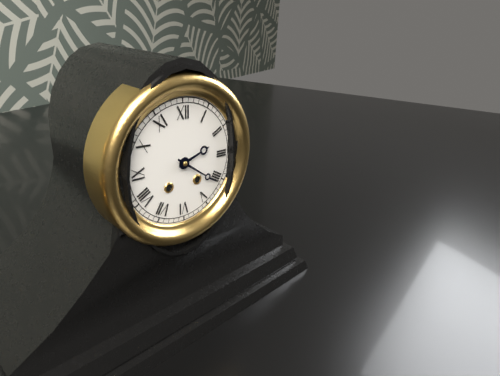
2:21
